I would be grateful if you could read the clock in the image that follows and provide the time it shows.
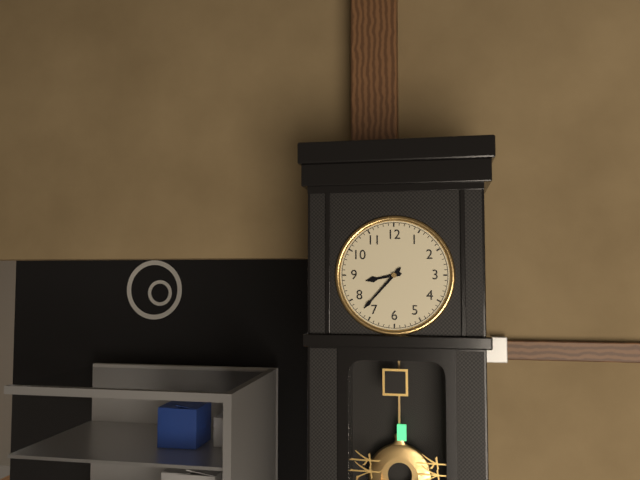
8:37
